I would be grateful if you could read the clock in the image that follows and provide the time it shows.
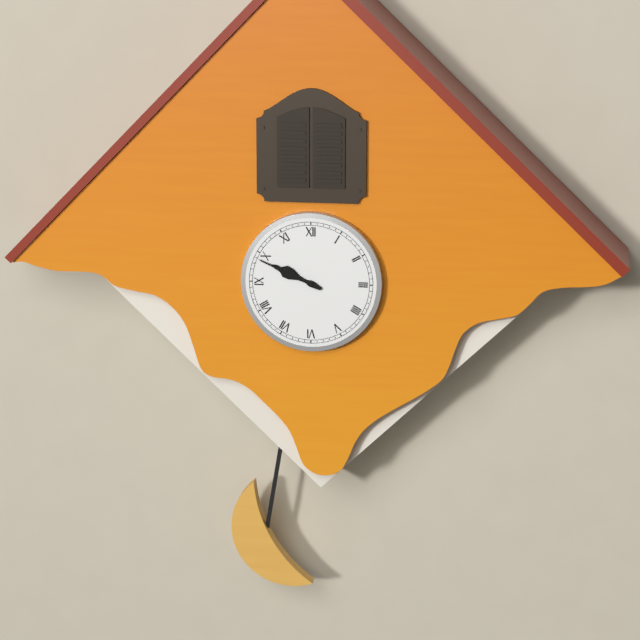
9:49
